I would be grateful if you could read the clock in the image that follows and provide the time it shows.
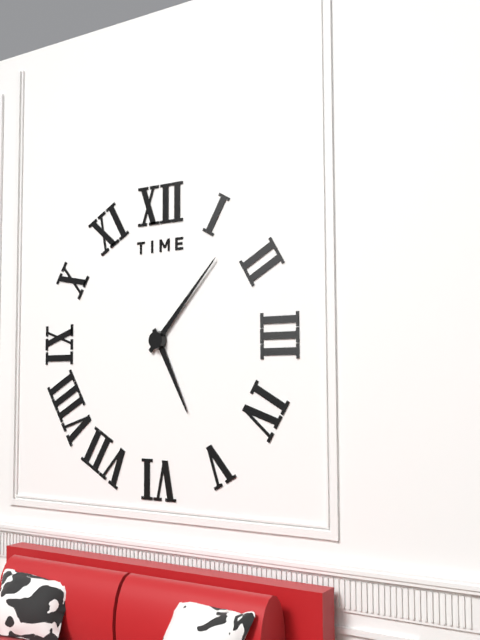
5:07
